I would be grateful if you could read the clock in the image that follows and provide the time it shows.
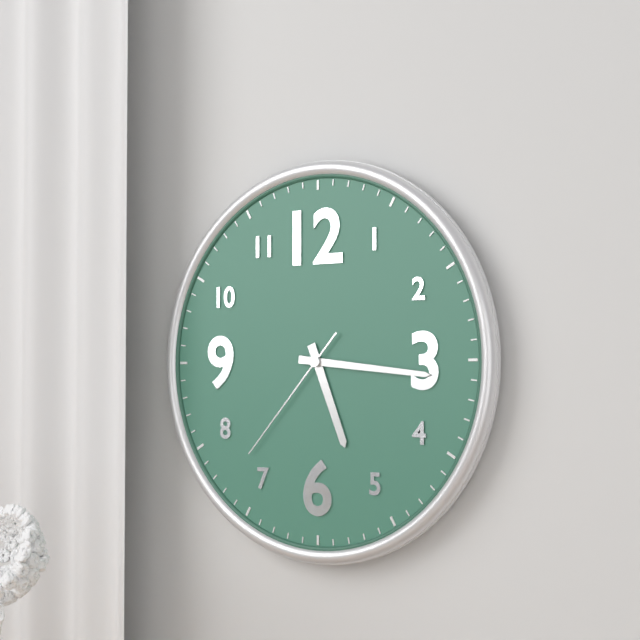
5:16:37
